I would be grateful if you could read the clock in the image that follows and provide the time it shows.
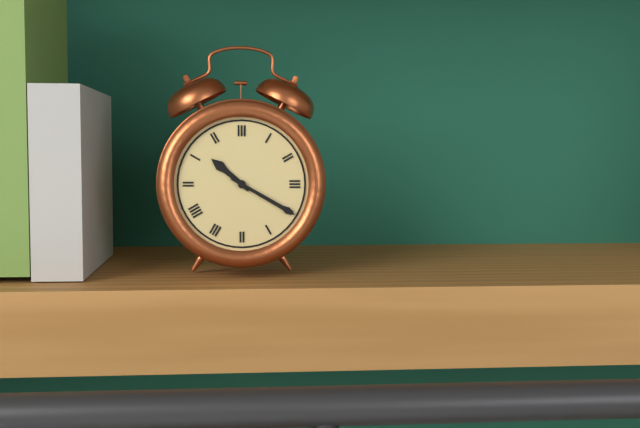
10:20
